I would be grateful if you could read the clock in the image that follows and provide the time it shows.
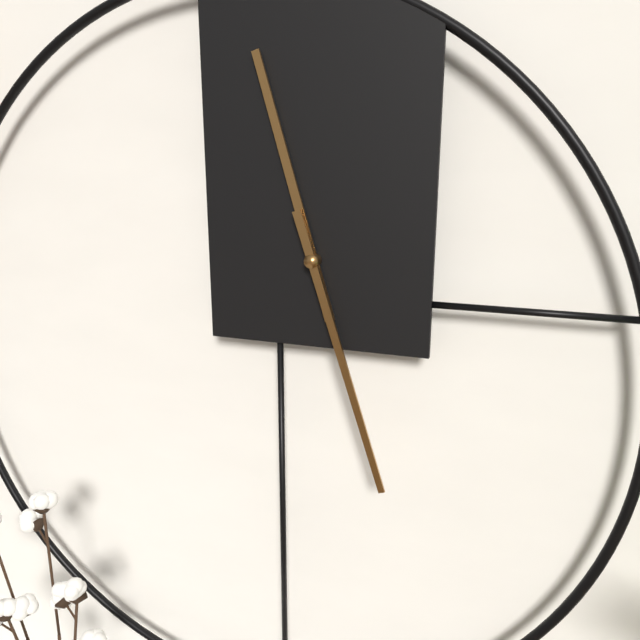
11:27
